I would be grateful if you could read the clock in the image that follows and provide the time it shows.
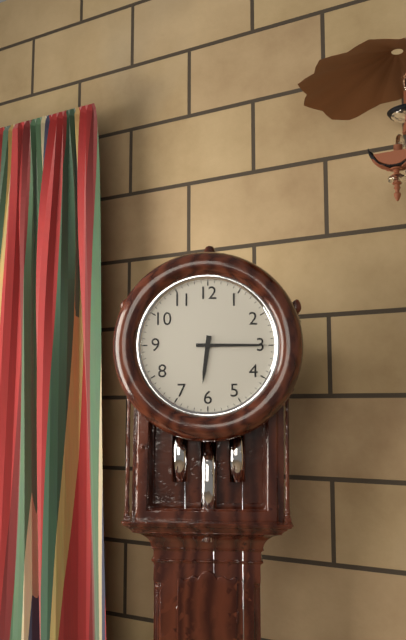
6:15
